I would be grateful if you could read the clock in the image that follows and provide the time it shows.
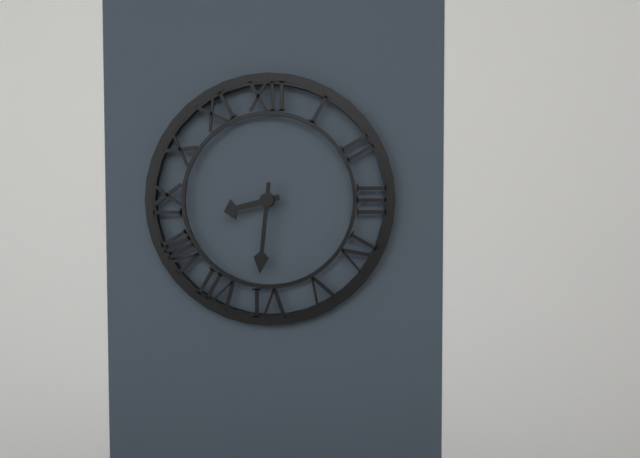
8:31
